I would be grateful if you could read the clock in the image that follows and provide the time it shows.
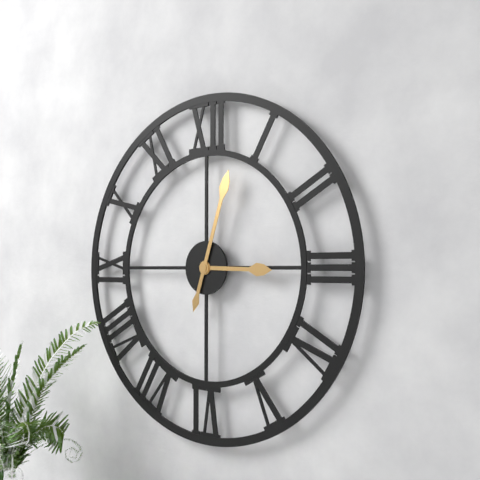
3:03
